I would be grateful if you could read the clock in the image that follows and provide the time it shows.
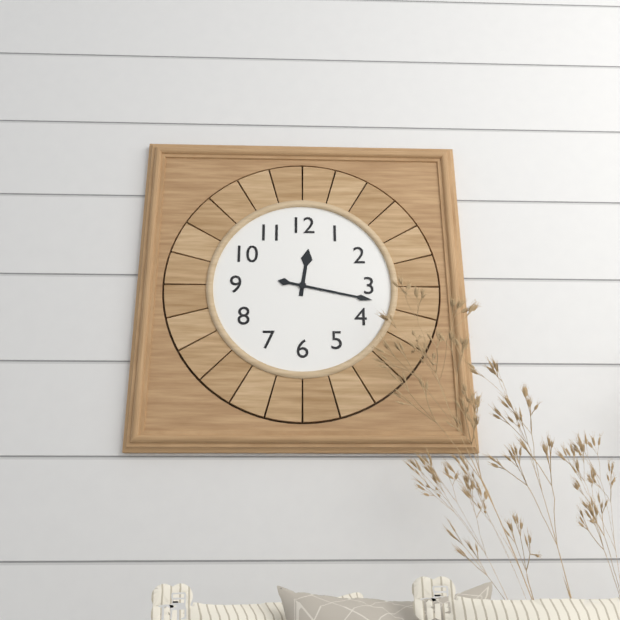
12:17
